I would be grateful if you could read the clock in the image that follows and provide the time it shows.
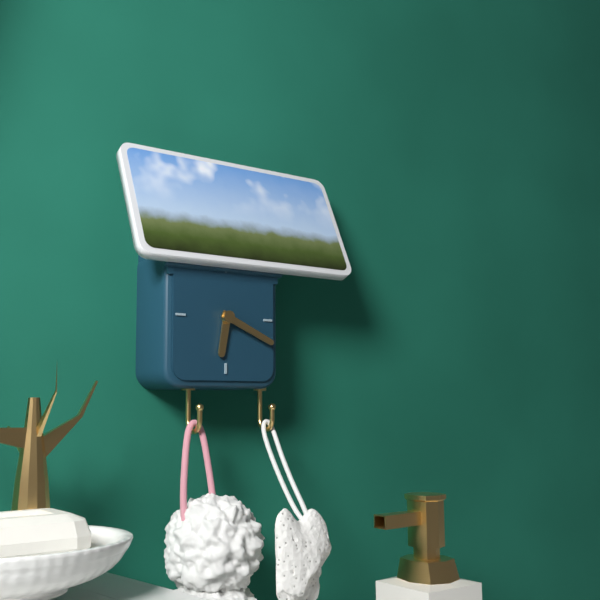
6:19
